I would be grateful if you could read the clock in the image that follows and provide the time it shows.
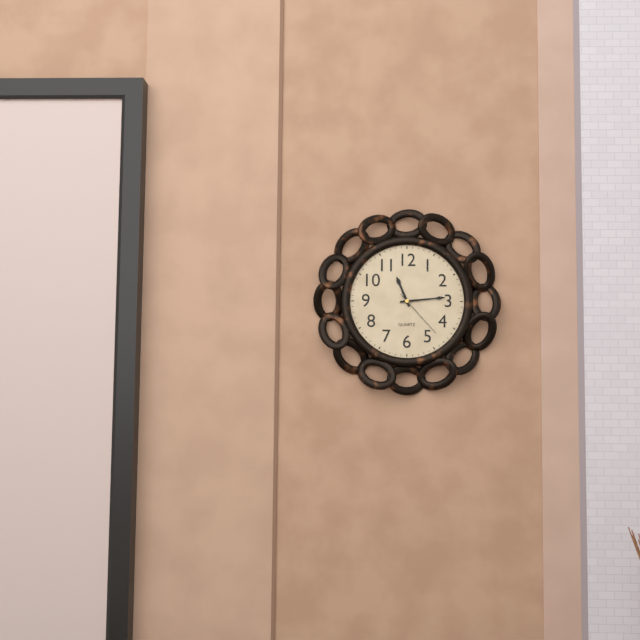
11:14:23
